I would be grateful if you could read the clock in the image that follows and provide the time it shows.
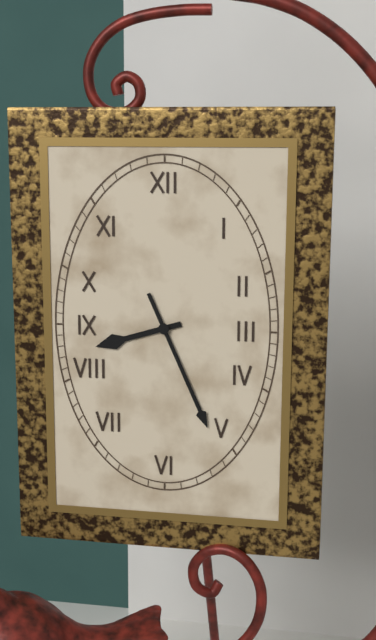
8:26
